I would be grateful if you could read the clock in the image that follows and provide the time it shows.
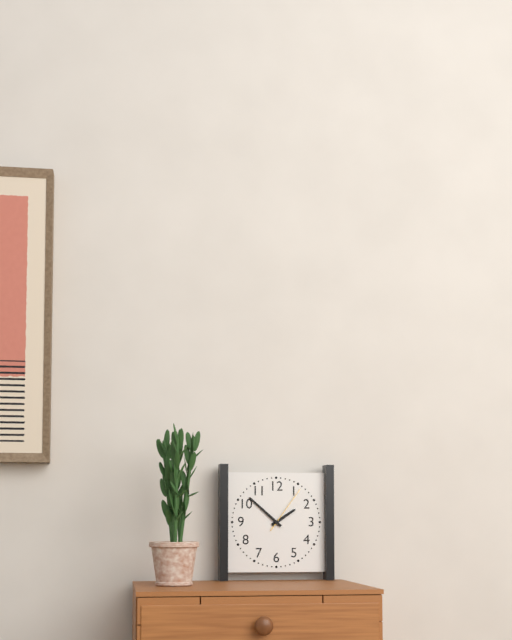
1:52:06
